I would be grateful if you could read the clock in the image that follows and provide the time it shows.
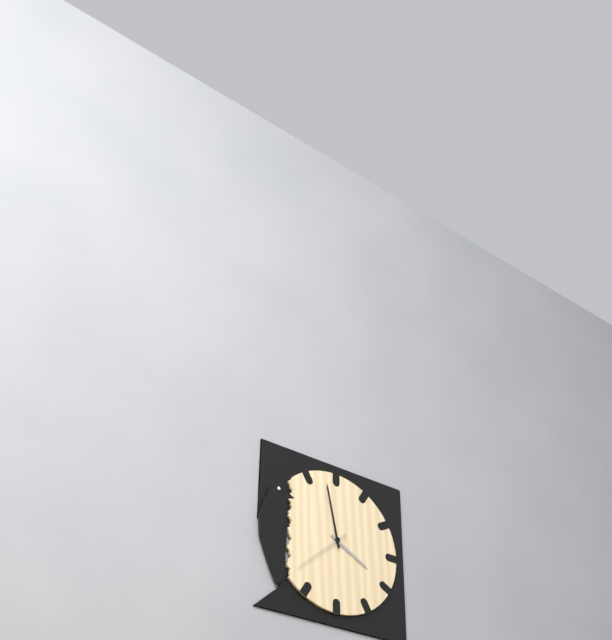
3:58:38
